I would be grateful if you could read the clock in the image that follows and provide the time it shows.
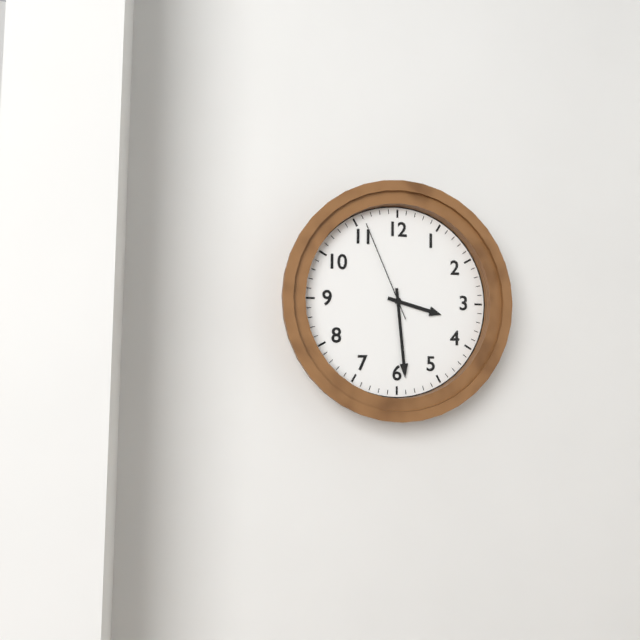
3:29:56
